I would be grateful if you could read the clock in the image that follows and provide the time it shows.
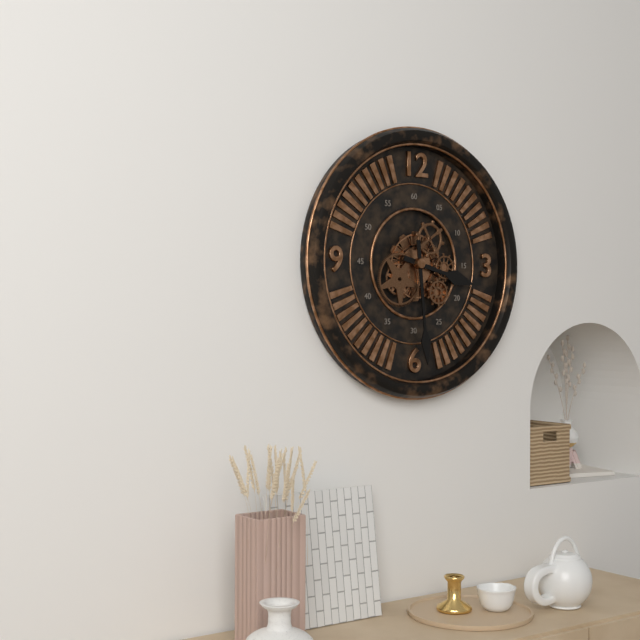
3:29
